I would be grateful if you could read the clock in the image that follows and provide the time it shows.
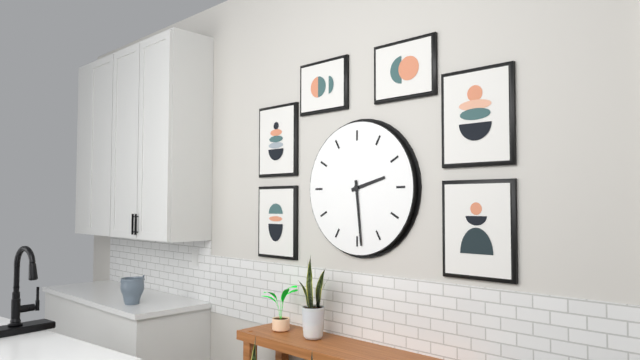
2:29
